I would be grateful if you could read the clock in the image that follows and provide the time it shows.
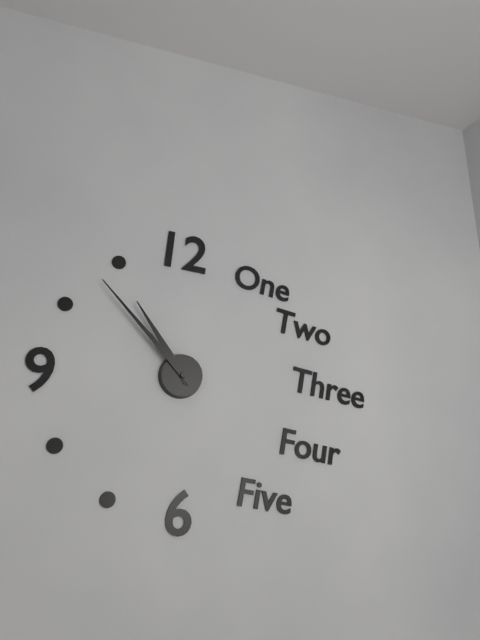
10:53
